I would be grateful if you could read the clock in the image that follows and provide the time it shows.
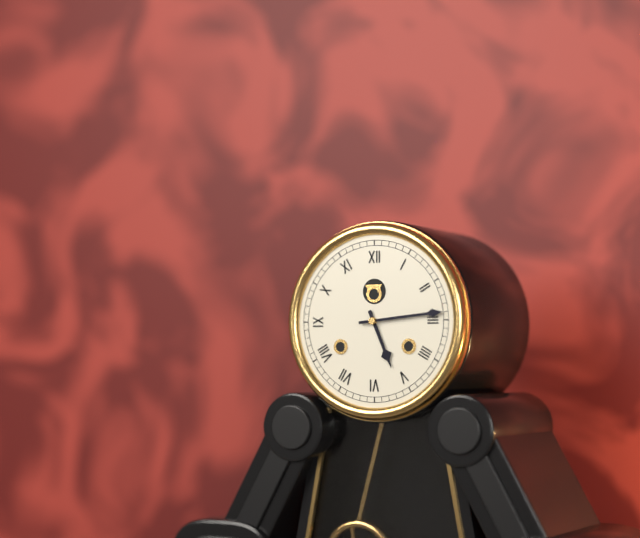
5:14
